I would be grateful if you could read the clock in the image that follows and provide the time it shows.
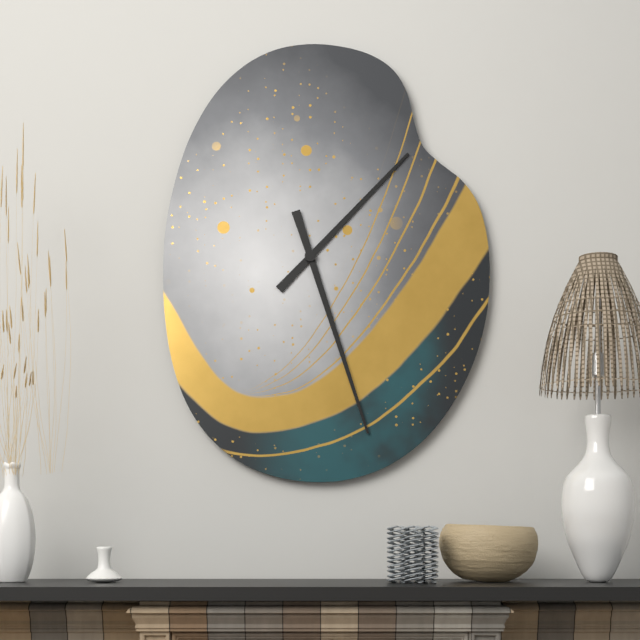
1:27
